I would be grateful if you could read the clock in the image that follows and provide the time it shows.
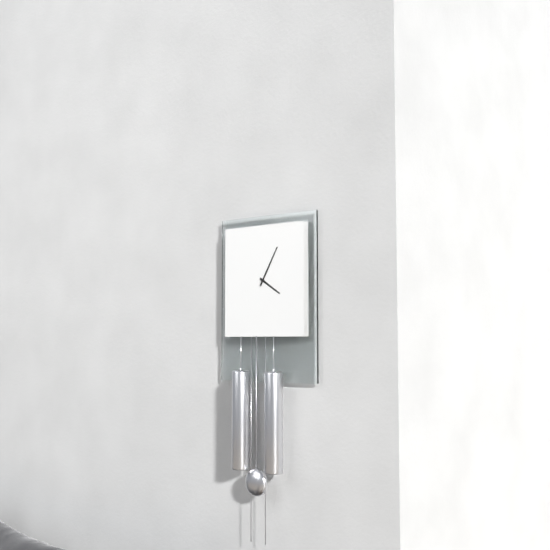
4:05
